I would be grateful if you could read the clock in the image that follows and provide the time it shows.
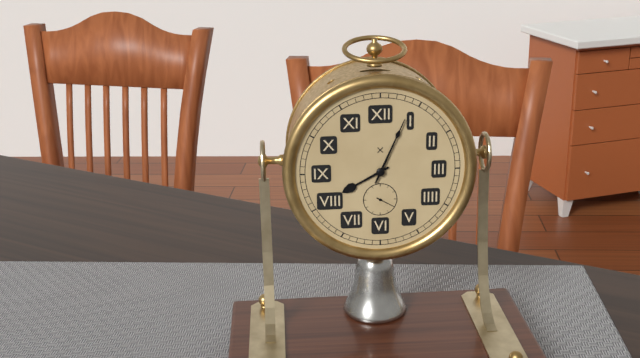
8:04
